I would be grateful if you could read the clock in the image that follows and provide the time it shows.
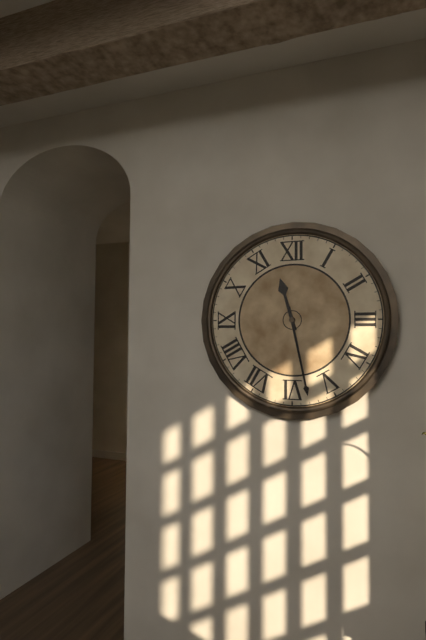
11:28
